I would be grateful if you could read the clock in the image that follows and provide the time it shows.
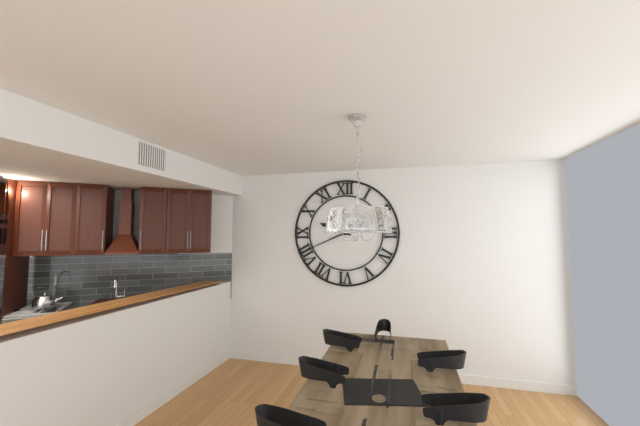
9:41
